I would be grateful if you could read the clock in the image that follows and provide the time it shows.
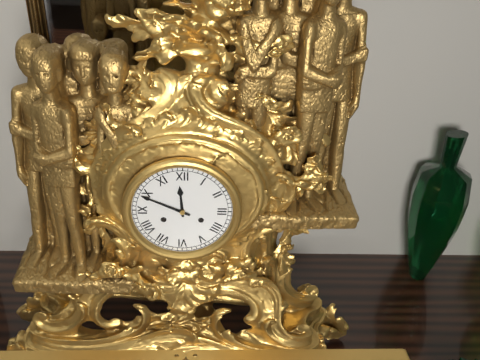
11:49
